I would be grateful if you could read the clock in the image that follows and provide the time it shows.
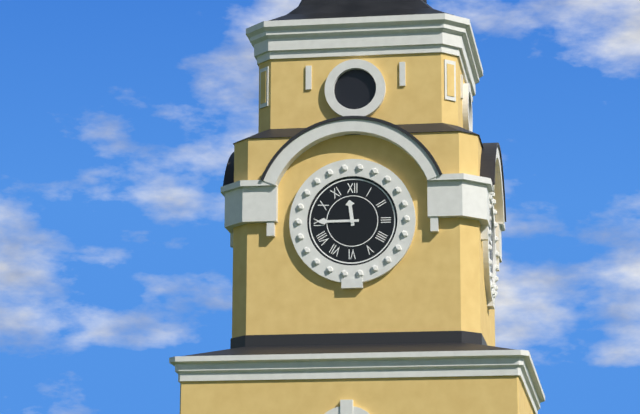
11:45
